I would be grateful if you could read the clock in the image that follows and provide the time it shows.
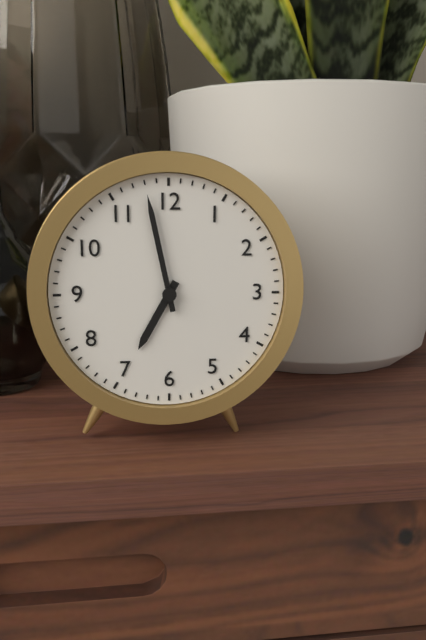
6:58
